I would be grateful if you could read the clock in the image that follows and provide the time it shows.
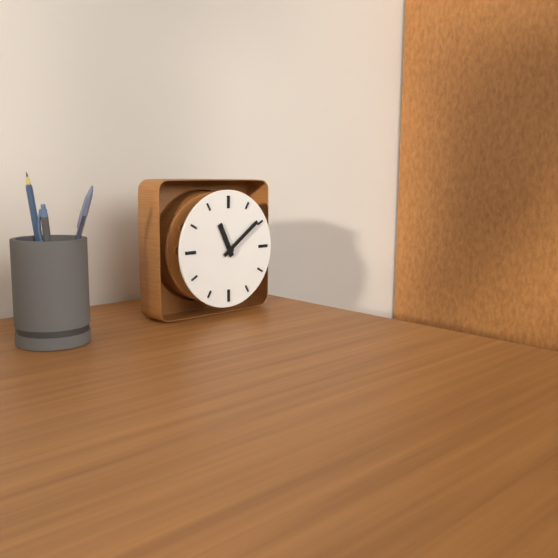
11:09
